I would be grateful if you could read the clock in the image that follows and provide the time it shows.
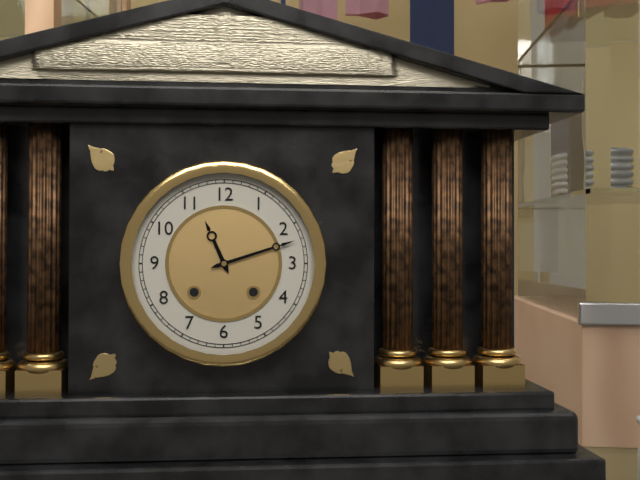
11:12
